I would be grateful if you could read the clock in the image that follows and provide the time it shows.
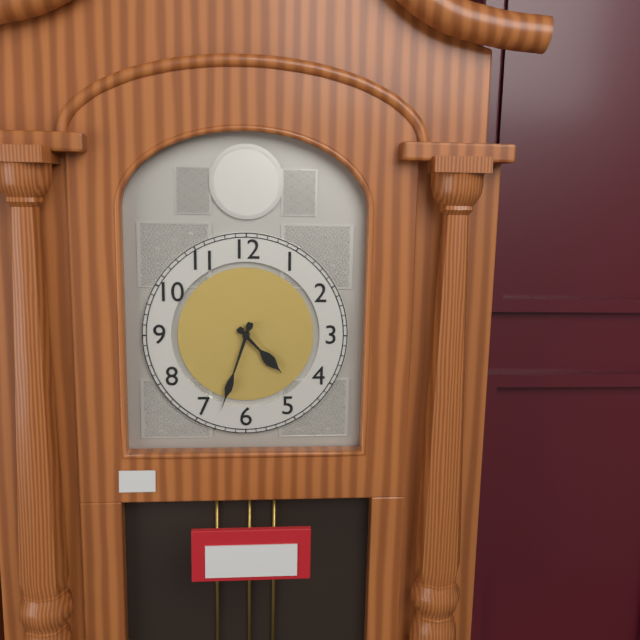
4:33
